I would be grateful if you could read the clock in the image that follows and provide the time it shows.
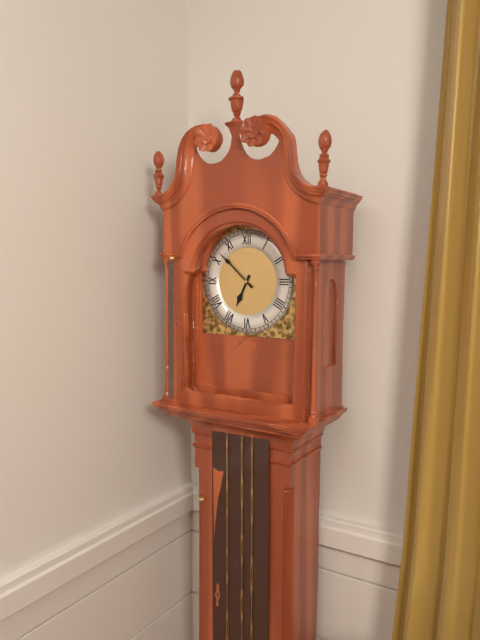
6:52
